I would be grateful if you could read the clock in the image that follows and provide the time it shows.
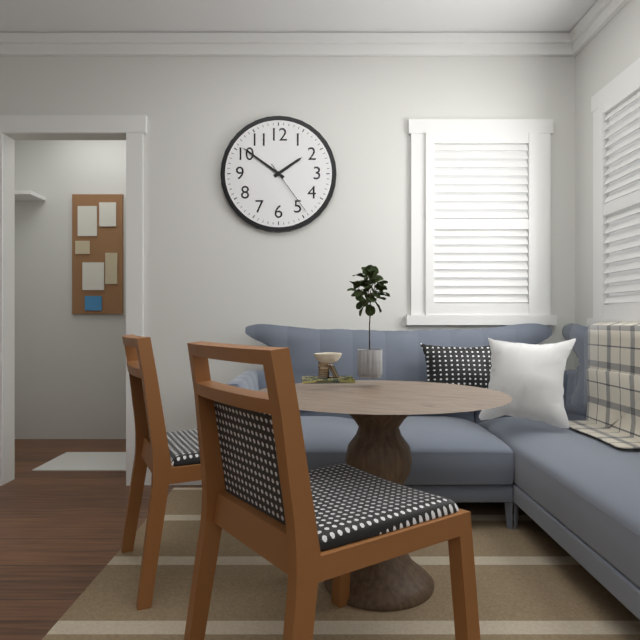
1:51:24
